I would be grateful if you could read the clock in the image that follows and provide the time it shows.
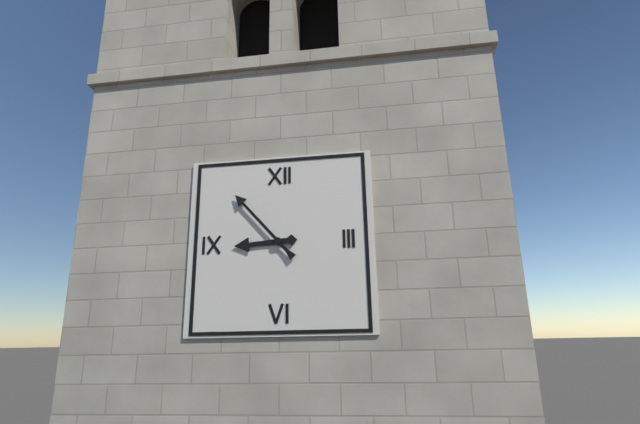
8:53
